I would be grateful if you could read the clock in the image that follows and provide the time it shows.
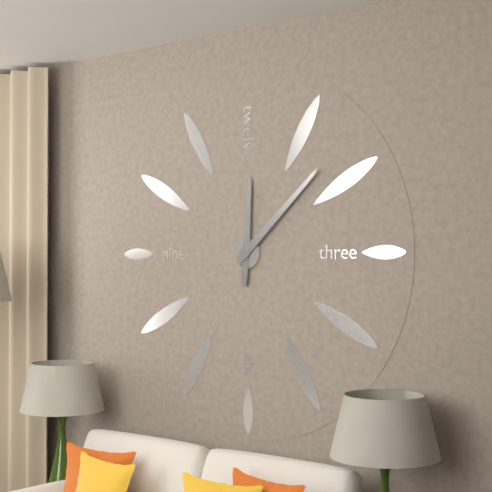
12:08
